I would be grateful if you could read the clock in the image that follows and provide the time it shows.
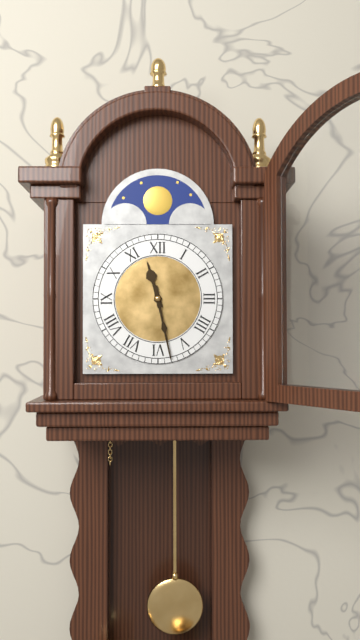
11:28
